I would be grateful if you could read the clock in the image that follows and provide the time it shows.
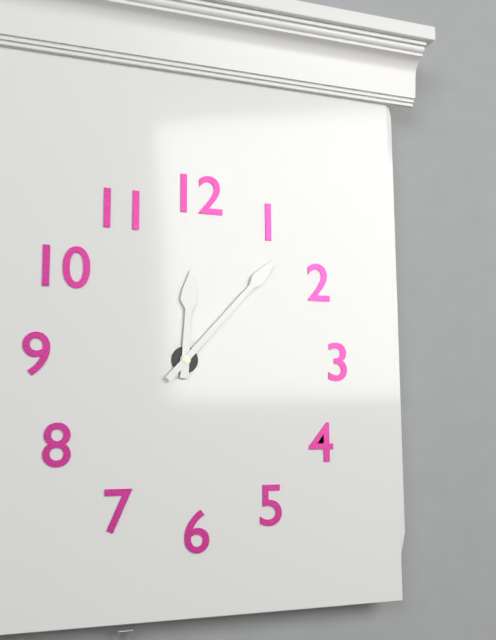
12:07
